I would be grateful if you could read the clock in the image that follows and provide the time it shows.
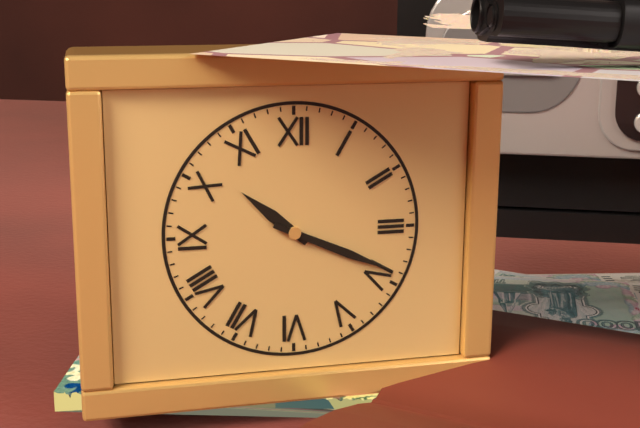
10:19
